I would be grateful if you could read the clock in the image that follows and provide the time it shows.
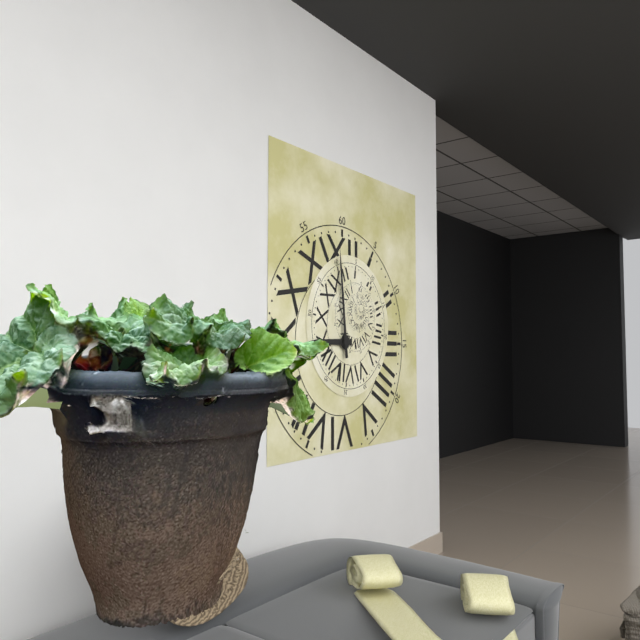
8:59
